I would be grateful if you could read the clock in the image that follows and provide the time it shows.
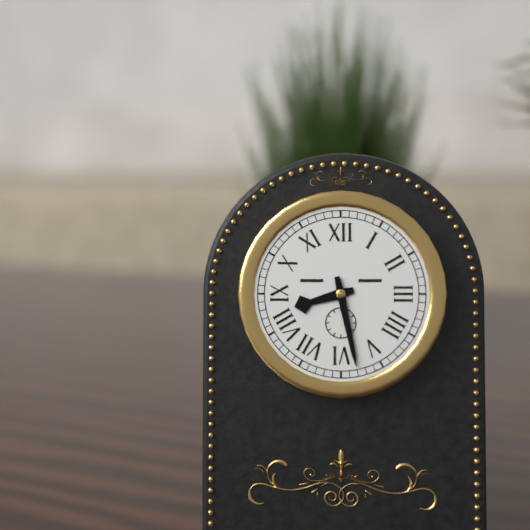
8:28
